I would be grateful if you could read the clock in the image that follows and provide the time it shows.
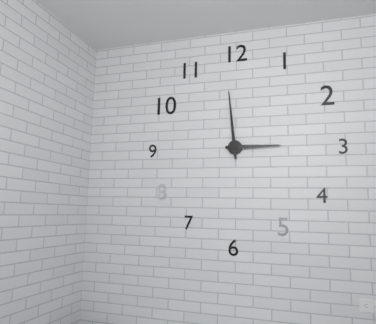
2:59
